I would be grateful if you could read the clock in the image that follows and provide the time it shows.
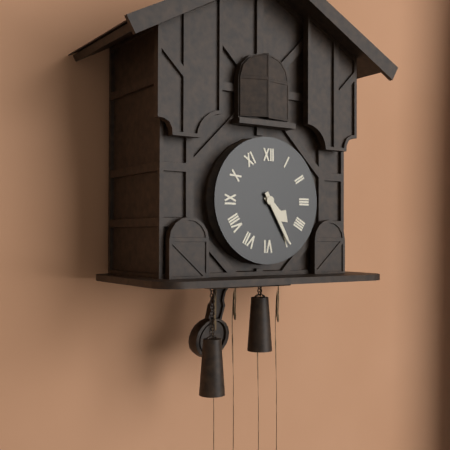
4:25
